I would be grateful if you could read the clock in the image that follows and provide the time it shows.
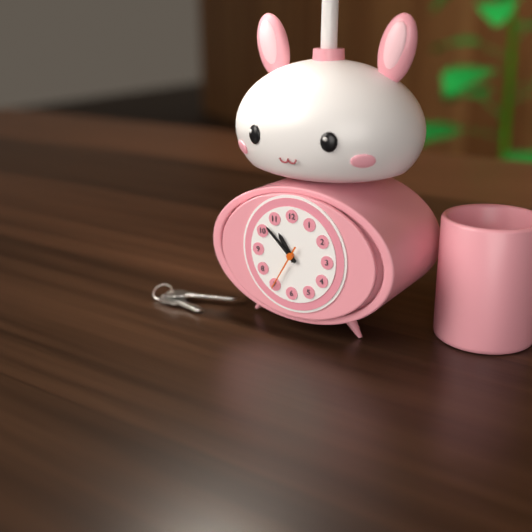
10:52
